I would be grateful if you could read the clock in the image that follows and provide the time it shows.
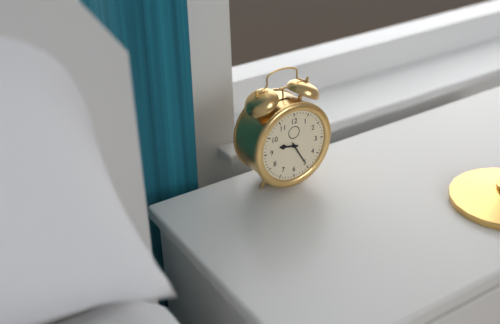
9:25
